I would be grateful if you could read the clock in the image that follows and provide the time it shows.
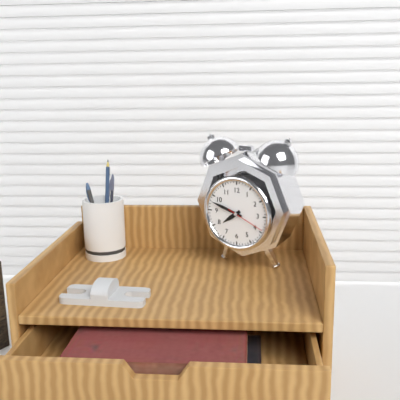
7:48
